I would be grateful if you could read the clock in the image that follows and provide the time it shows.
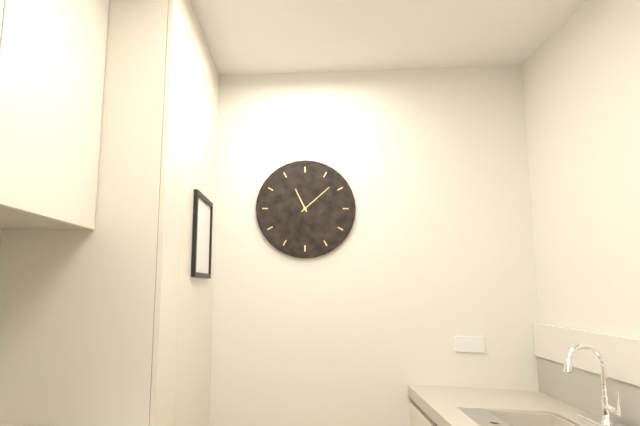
11:08
